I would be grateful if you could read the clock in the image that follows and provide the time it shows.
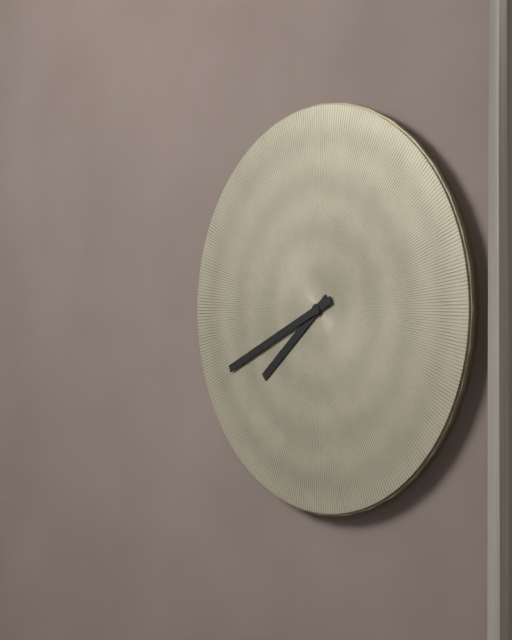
7:41
